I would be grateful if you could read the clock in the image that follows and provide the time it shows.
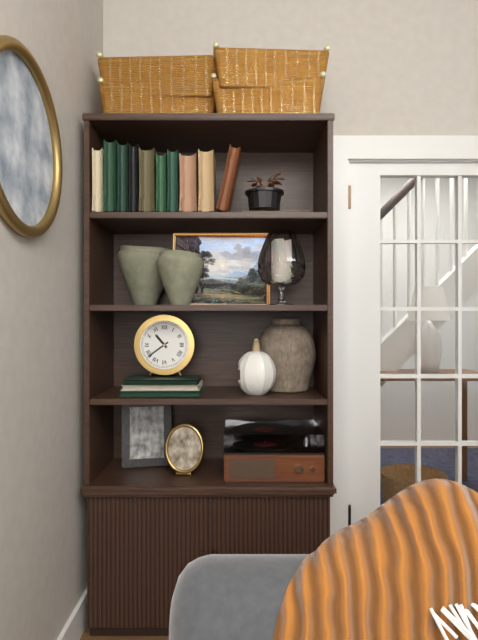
10:39
